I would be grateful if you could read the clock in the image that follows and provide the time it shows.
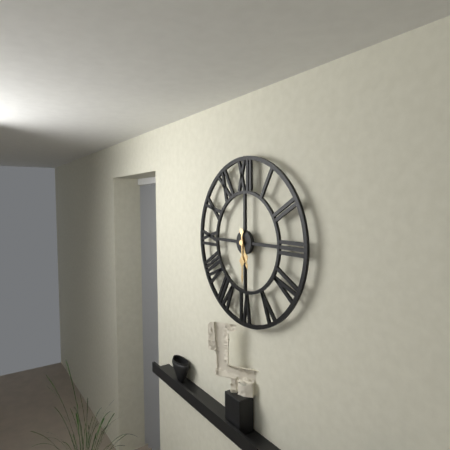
5:30
